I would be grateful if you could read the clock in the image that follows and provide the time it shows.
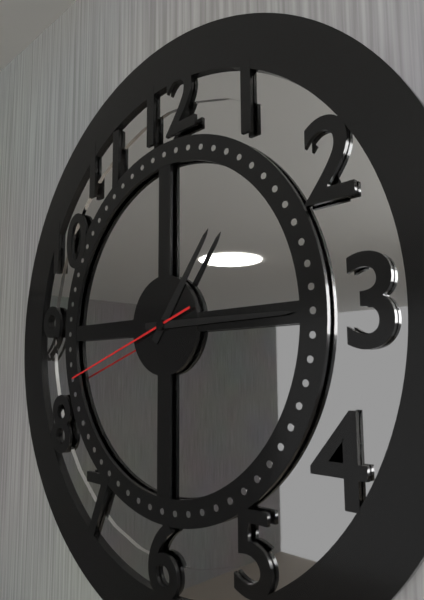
1:15:42
